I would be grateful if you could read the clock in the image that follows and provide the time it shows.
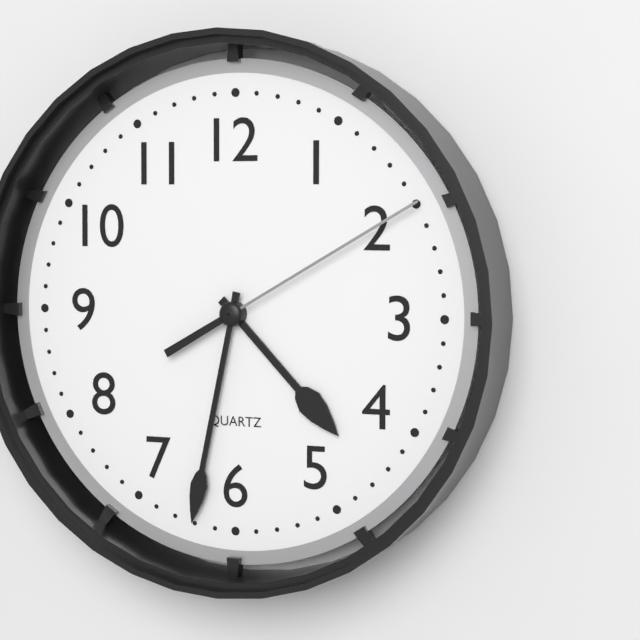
4:32:10
